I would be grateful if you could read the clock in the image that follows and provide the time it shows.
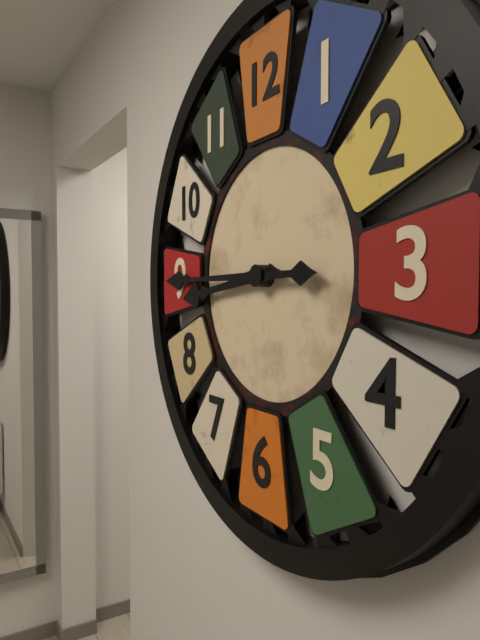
8:45
